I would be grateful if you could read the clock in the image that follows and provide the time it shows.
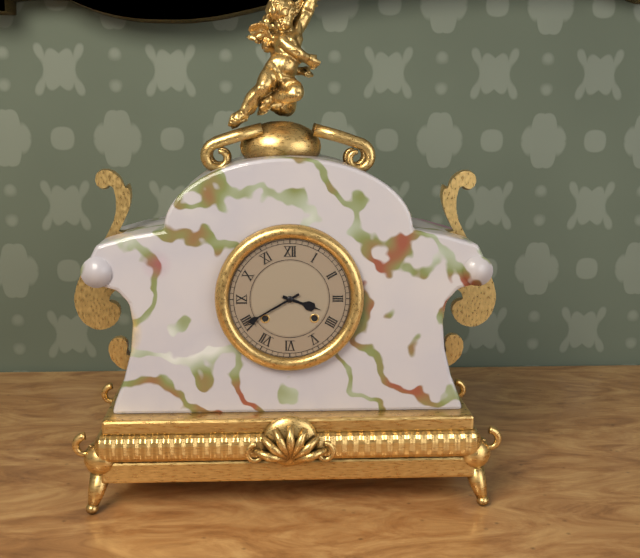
3:40
